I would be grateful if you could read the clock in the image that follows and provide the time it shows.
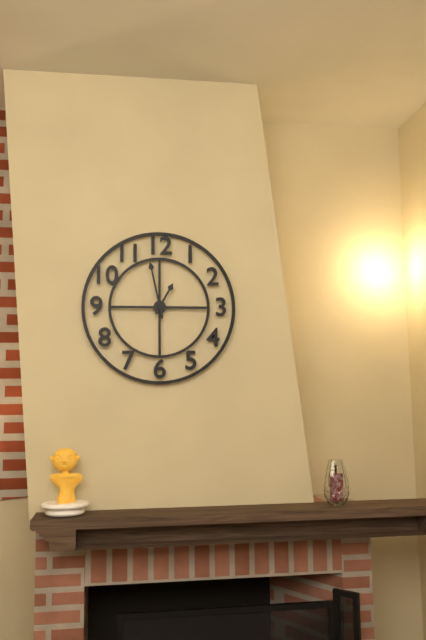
12:58
